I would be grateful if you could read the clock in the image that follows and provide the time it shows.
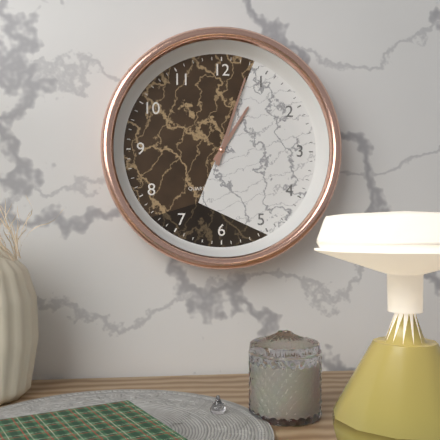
1:03
